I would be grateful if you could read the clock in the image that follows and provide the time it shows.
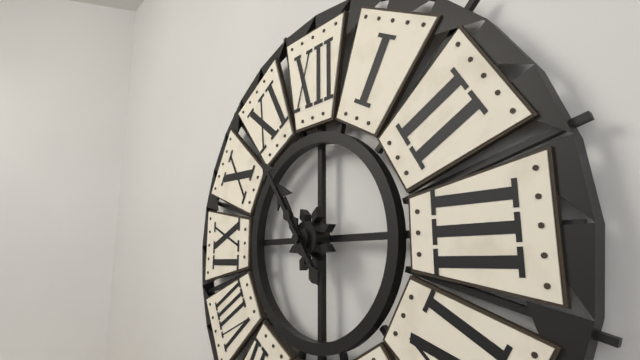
10:54
